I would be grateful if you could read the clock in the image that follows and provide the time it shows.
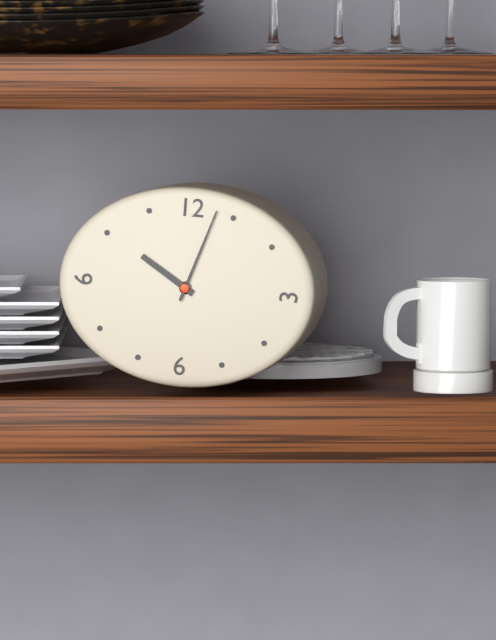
10:03
